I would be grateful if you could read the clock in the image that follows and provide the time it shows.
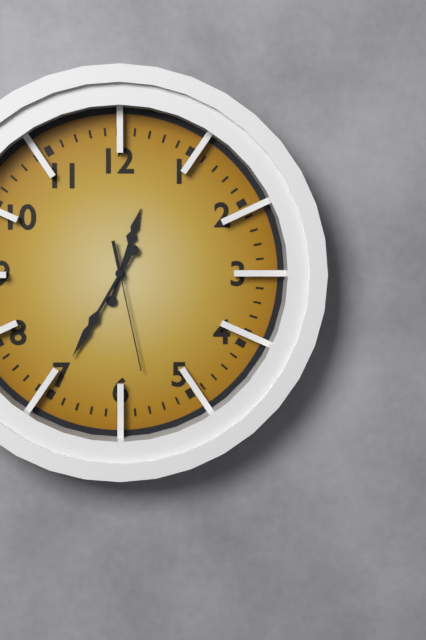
12:35:28
